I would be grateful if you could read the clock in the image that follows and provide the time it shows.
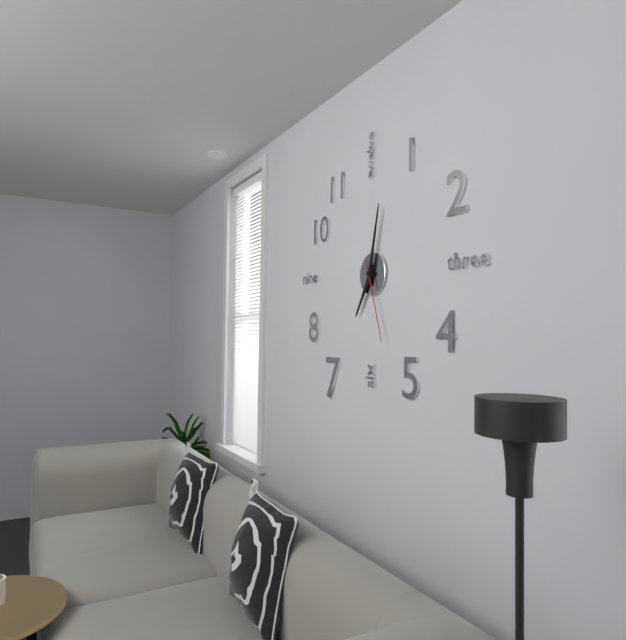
7:02:27
